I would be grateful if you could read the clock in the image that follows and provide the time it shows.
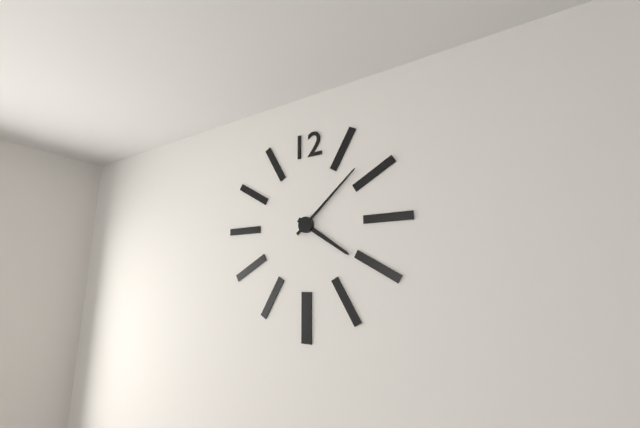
4:08
